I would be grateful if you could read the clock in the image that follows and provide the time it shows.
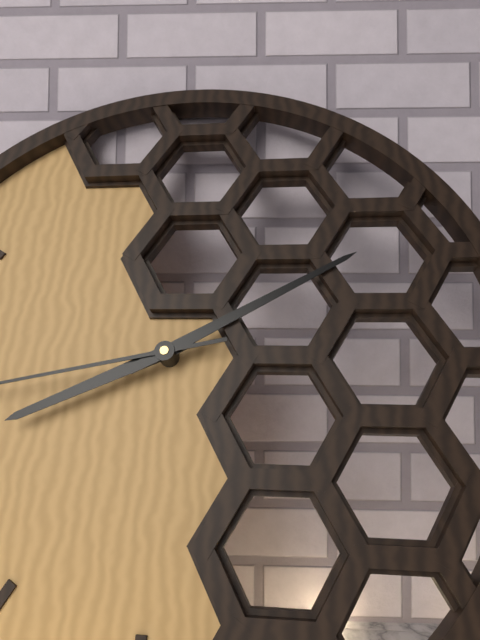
8:10
